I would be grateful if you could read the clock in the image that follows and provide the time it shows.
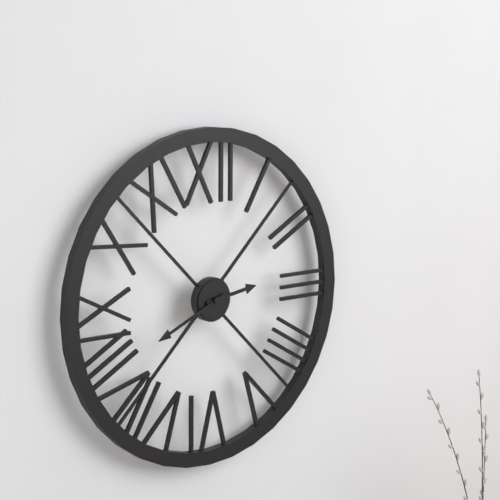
2:41
